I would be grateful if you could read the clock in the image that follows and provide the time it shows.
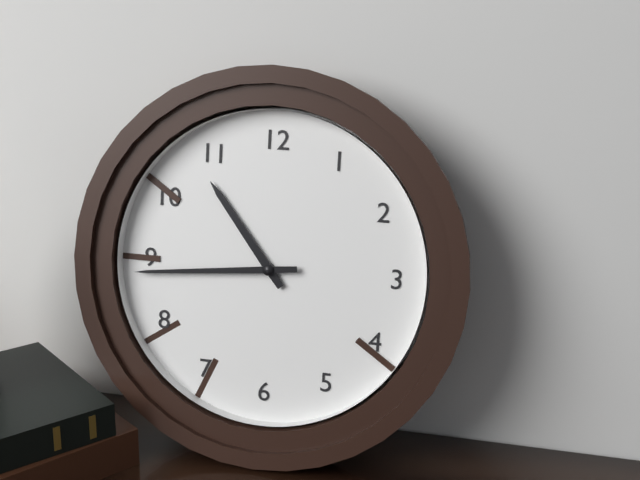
10:44
